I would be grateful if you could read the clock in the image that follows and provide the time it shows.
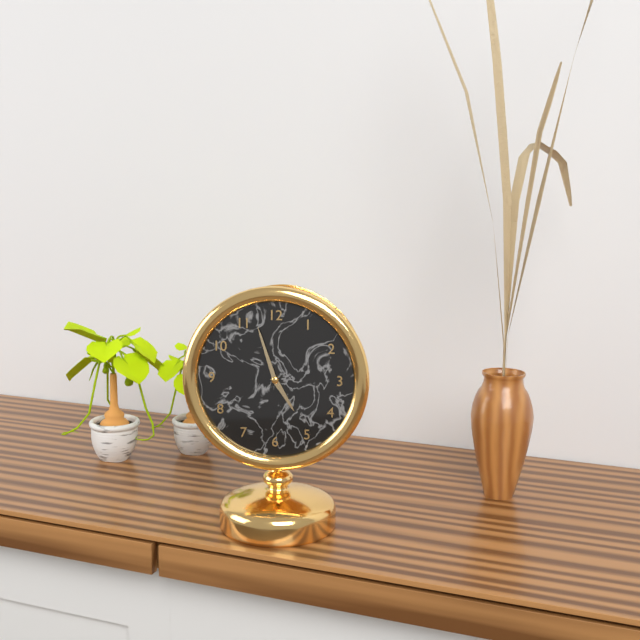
4:57
